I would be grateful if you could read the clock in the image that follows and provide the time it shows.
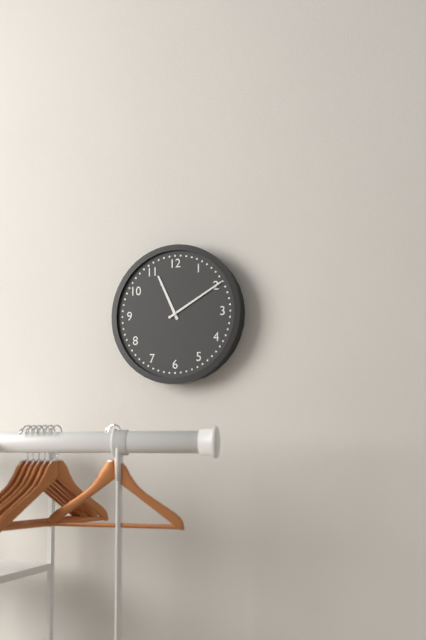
11:10
